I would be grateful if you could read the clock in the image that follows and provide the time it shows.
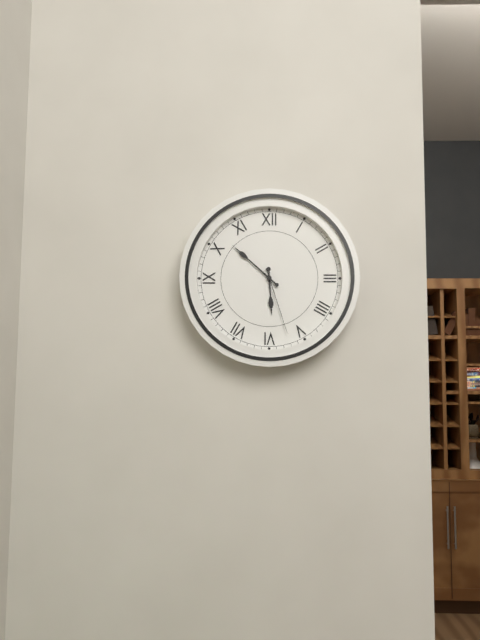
5:52:27
